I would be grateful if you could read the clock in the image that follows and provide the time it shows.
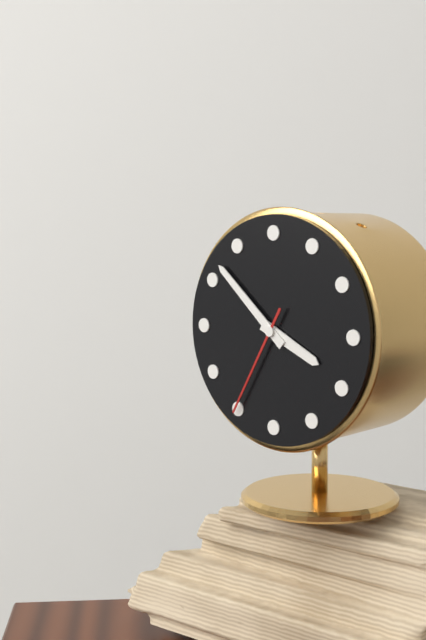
3:52:35
